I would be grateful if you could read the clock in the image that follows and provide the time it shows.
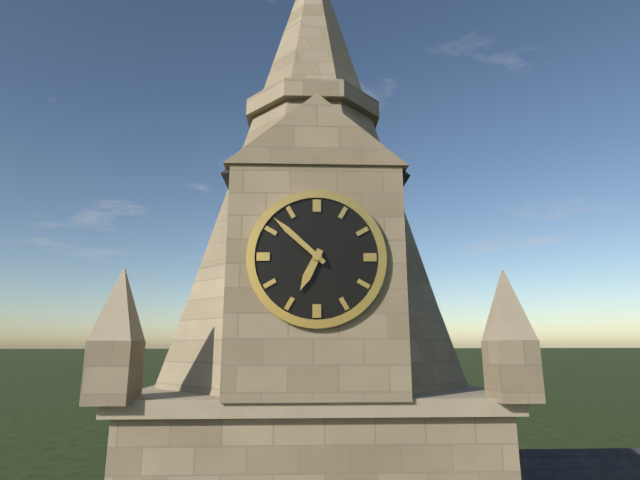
6:52
